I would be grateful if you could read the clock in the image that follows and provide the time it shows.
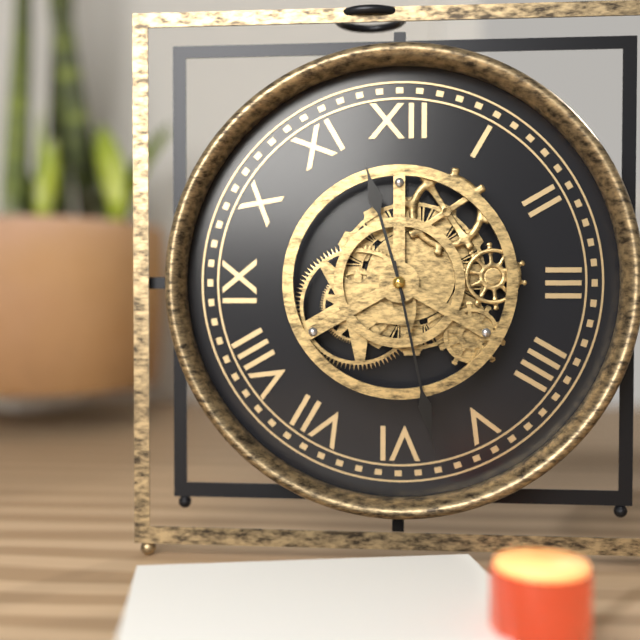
11:28
